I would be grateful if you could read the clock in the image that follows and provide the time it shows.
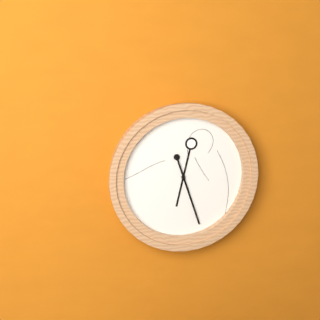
6:27
